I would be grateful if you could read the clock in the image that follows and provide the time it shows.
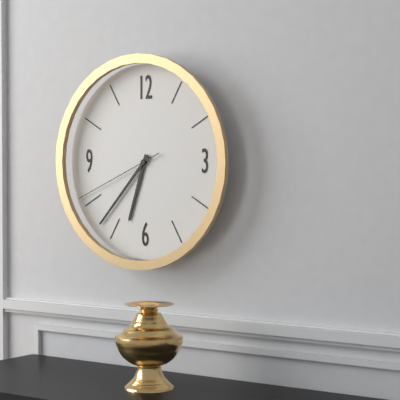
6:37:41
